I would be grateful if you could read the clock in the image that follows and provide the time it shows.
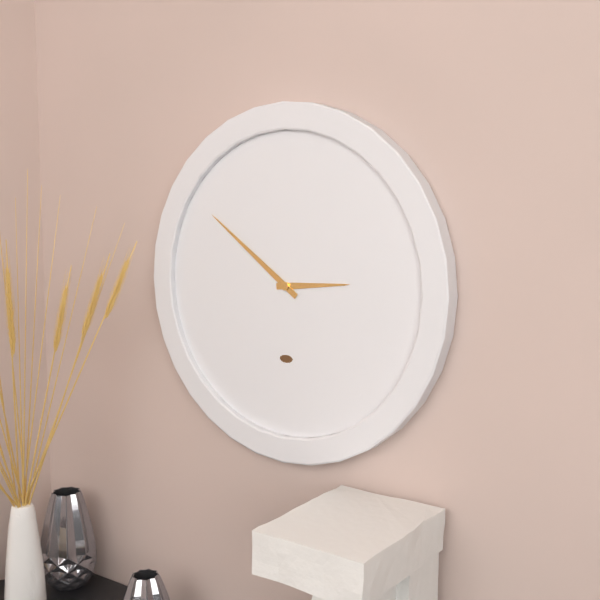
2:51
